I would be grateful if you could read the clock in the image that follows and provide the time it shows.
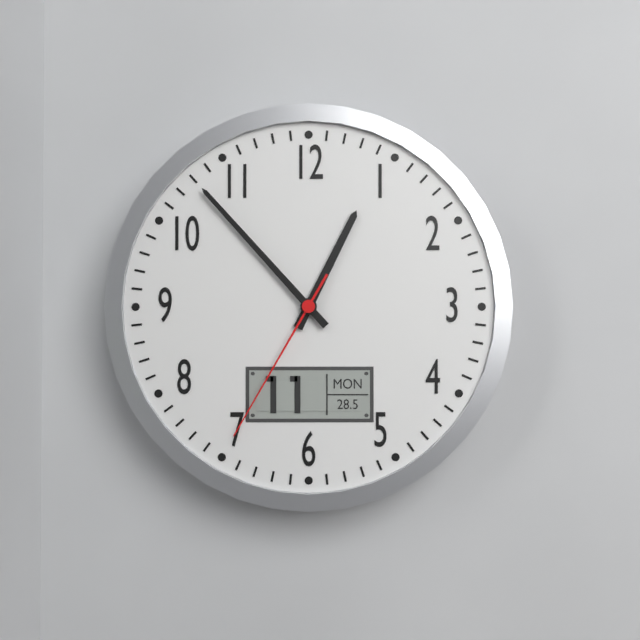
12:53:35
